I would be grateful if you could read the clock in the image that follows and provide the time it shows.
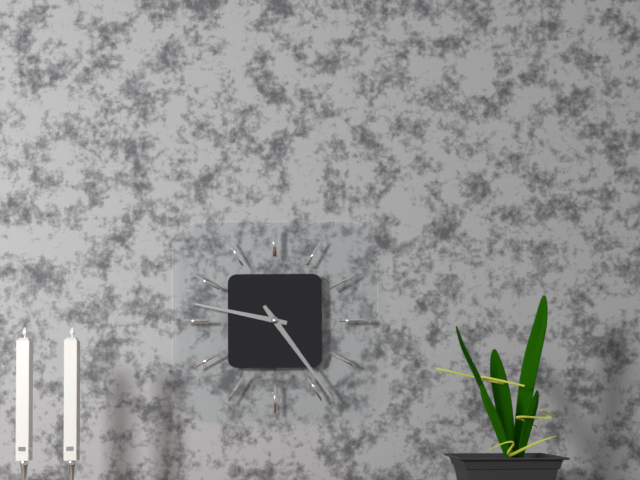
9:24
